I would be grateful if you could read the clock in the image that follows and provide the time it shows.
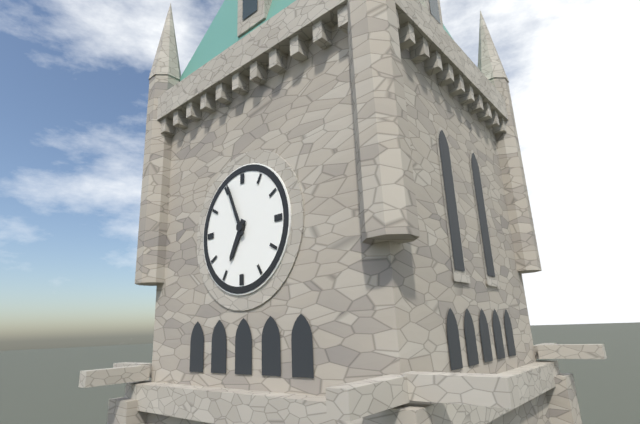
6:56
